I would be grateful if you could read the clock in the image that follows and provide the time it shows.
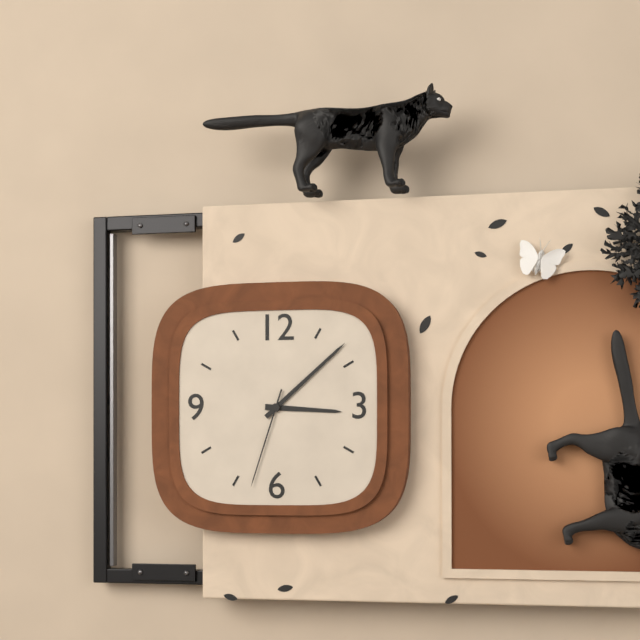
3:08:33
